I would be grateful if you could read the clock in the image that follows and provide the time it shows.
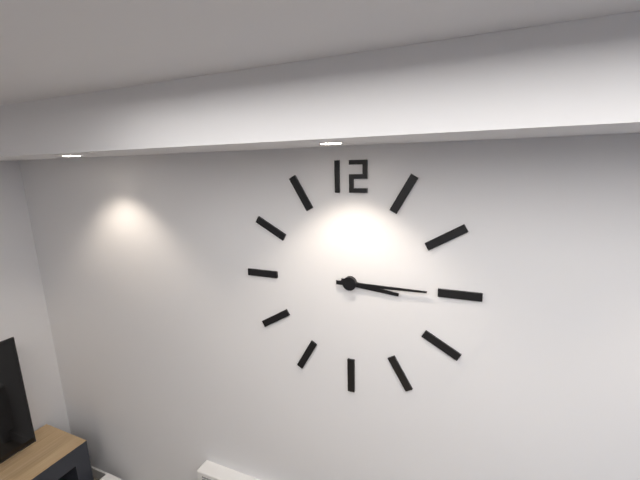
3:15
